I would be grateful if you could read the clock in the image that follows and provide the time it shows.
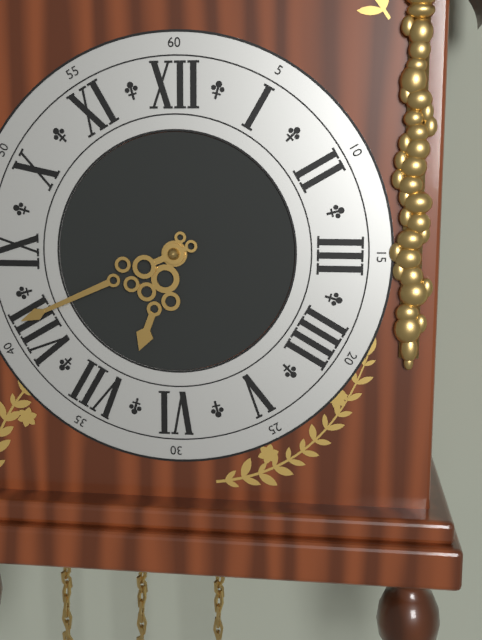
6:41
